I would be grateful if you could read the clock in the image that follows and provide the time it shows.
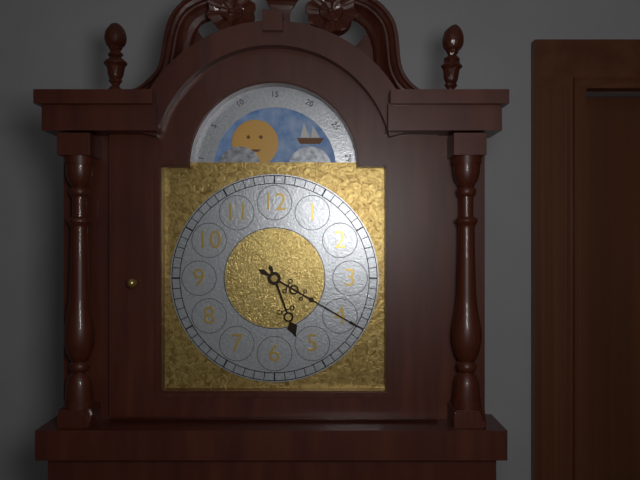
5:20
